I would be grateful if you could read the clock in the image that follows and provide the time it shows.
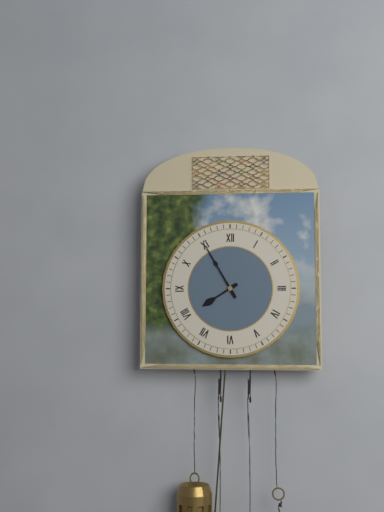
7:55
